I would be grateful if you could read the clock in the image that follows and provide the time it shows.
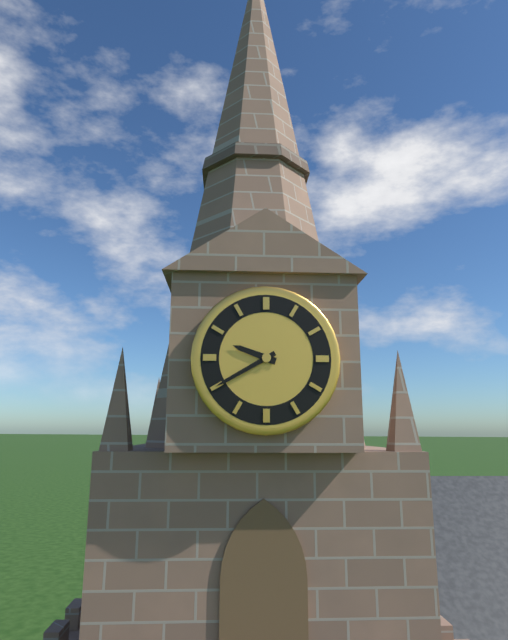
9:40
